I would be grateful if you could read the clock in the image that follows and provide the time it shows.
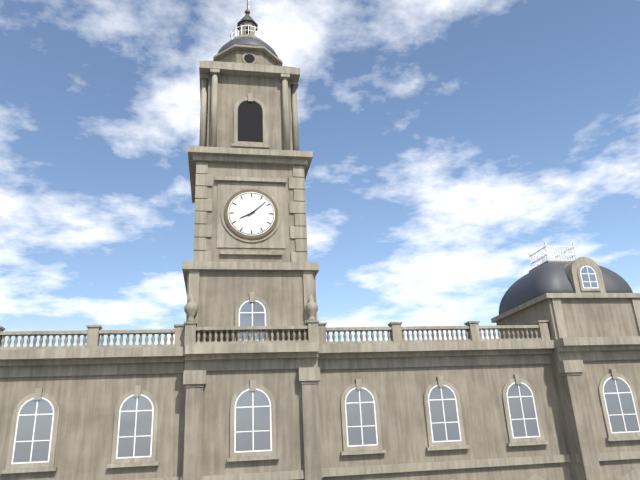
8:08
